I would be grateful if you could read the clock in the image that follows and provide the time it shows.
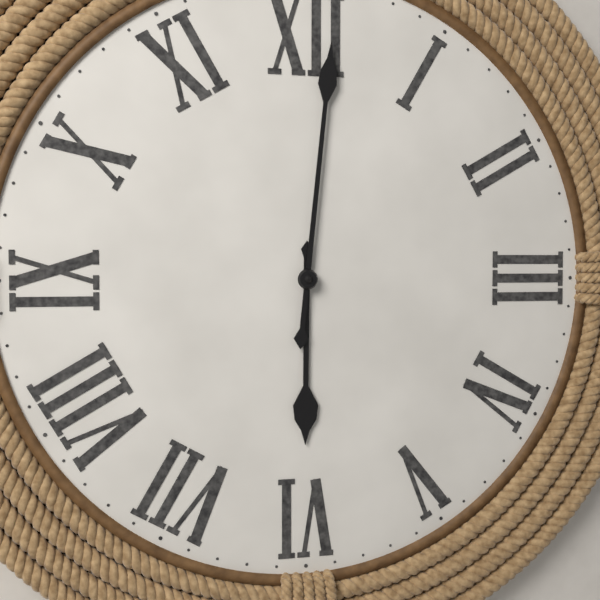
6:01
